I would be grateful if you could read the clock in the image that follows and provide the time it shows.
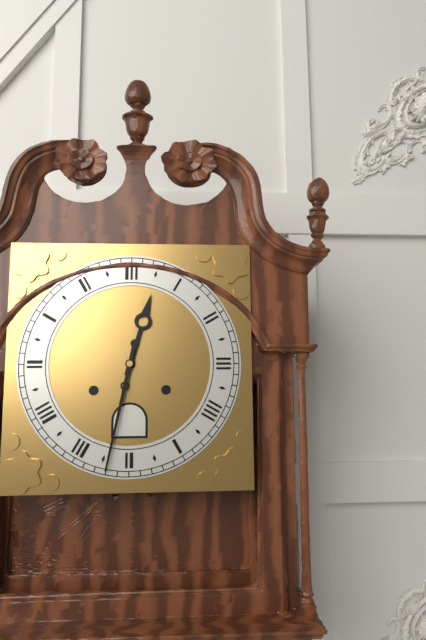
12:32
